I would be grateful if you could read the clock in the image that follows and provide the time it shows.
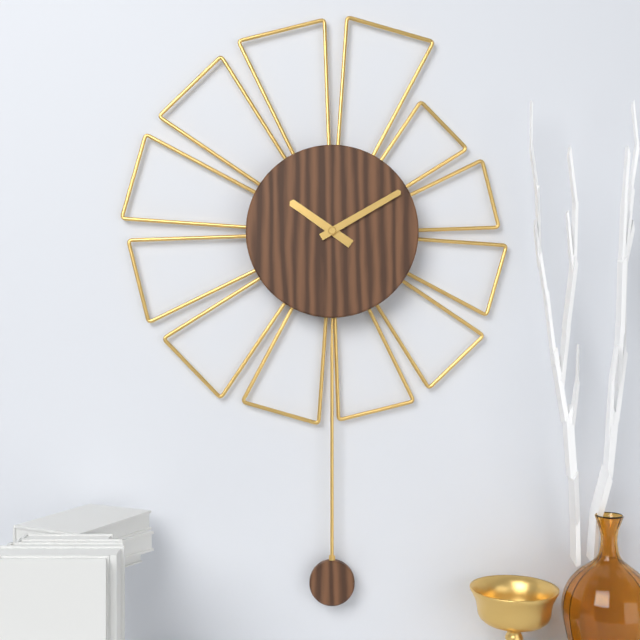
10:10
